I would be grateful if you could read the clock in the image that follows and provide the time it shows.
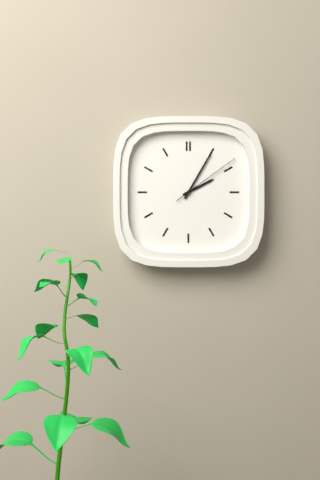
2:05:09
